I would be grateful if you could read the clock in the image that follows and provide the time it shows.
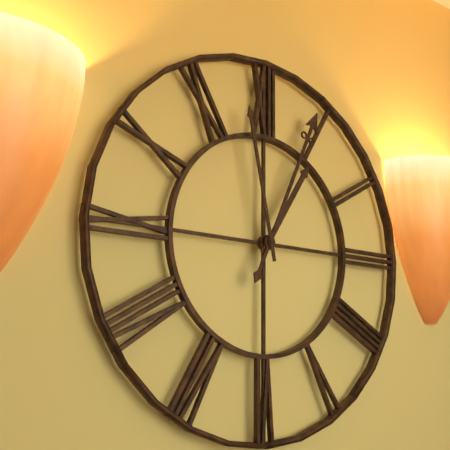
1:04:58
